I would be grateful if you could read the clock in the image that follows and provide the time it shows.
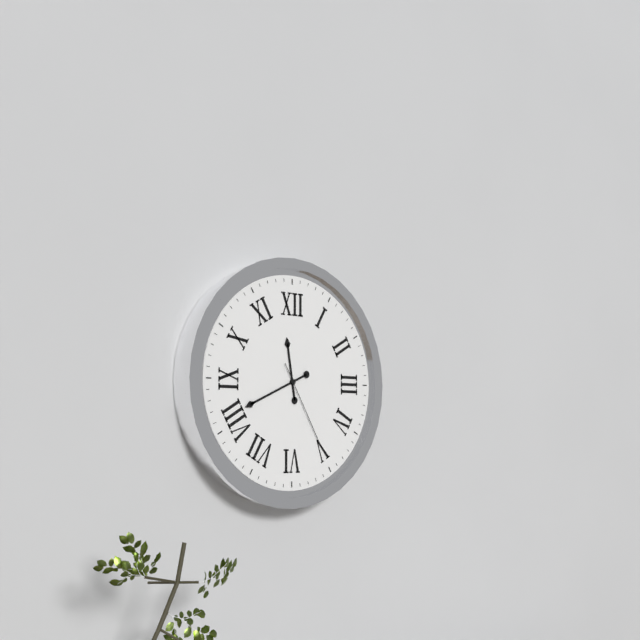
11:41:25
